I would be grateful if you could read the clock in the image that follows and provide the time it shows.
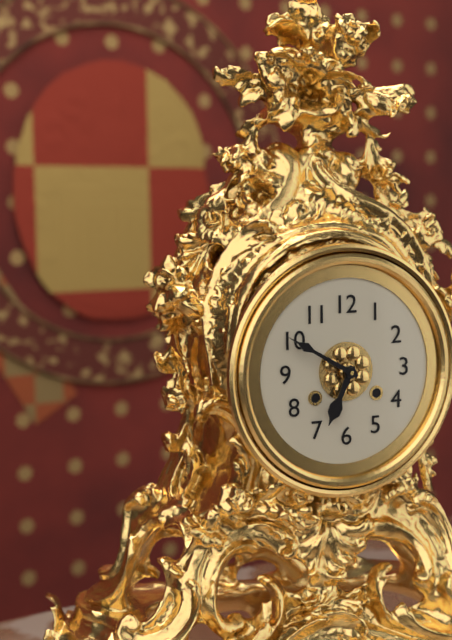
6:50
